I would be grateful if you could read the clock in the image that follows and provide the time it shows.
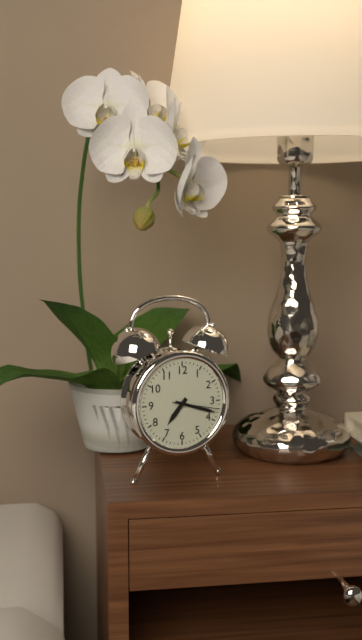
7:18
